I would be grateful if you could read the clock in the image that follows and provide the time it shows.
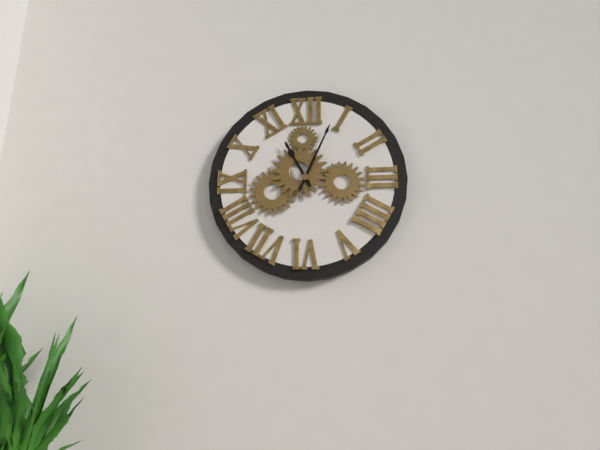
11:04
